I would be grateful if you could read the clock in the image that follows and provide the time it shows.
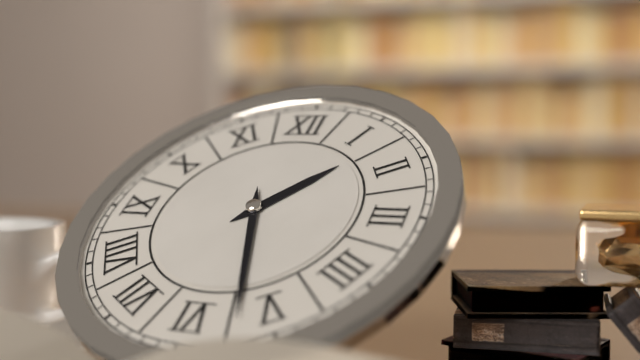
1:27
